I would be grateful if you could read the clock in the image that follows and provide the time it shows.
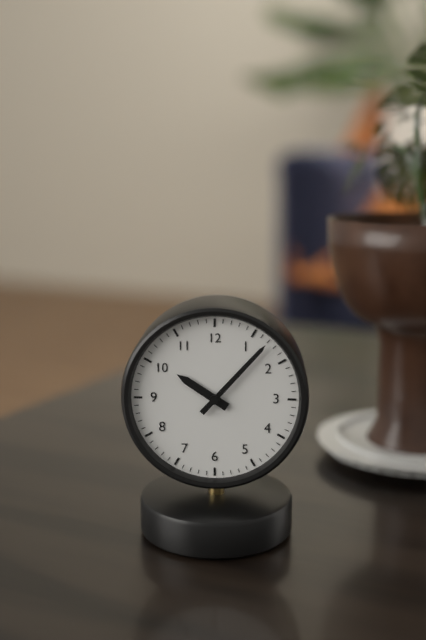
10:07
